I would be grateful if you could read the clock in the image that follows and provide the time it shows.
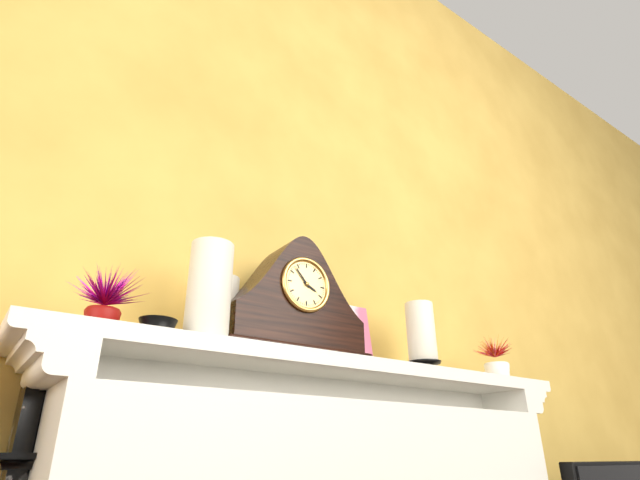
3:53
